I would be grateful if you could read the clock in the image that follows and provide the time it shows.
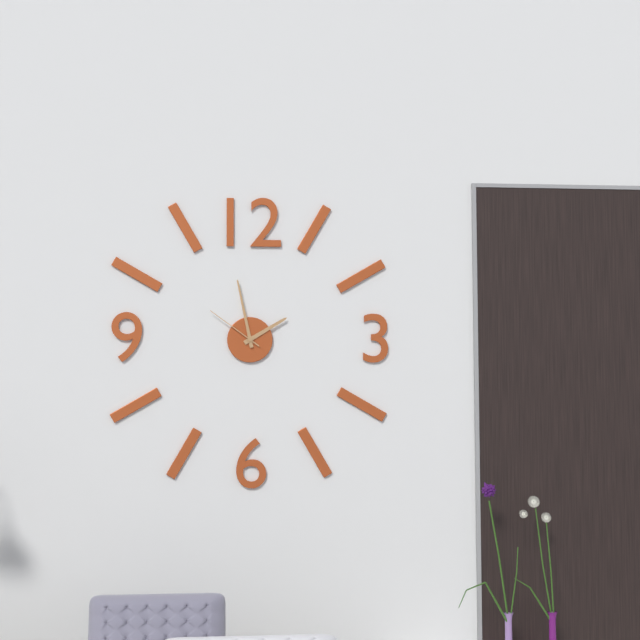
1:58:51
